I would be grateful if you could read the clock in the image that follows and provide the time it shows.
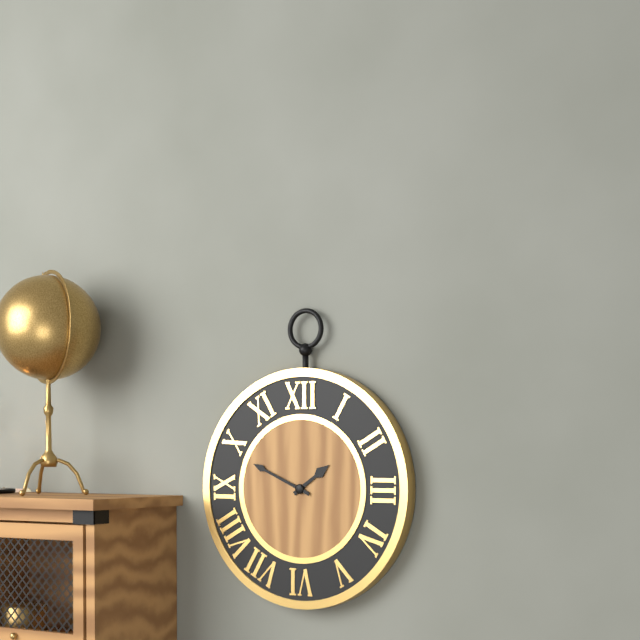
1:49
